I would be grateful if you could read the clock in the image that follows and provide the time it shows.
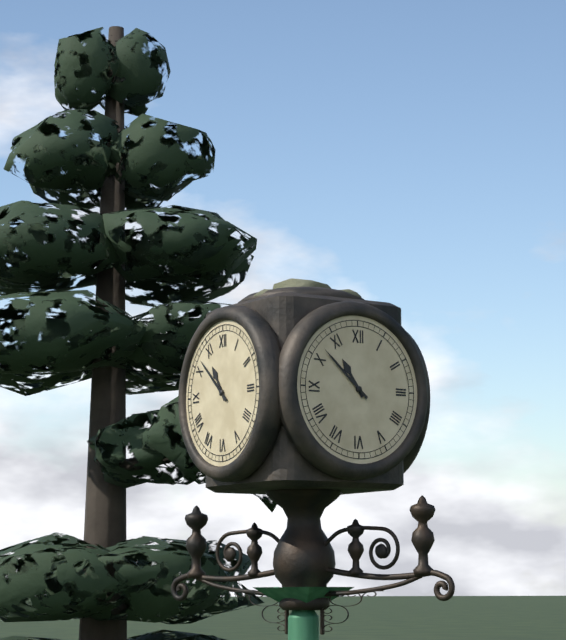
10:52
